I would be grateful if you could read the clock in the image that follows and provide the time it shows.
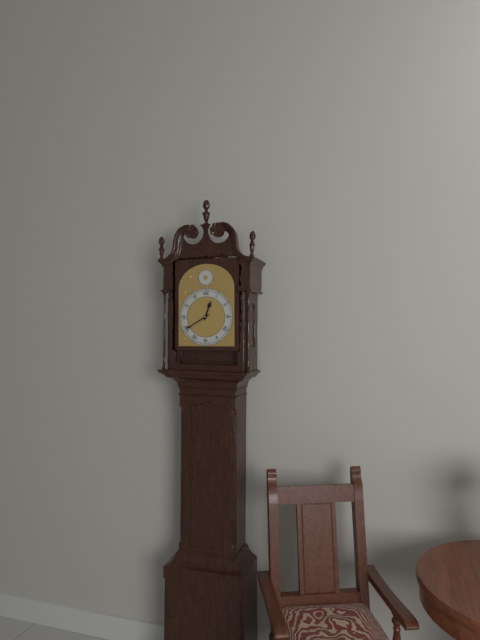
12:40
